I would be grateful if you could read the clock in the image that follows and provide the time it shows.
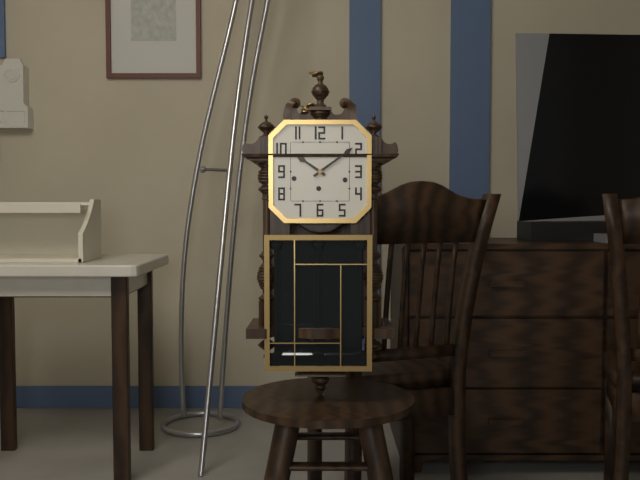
10:09
